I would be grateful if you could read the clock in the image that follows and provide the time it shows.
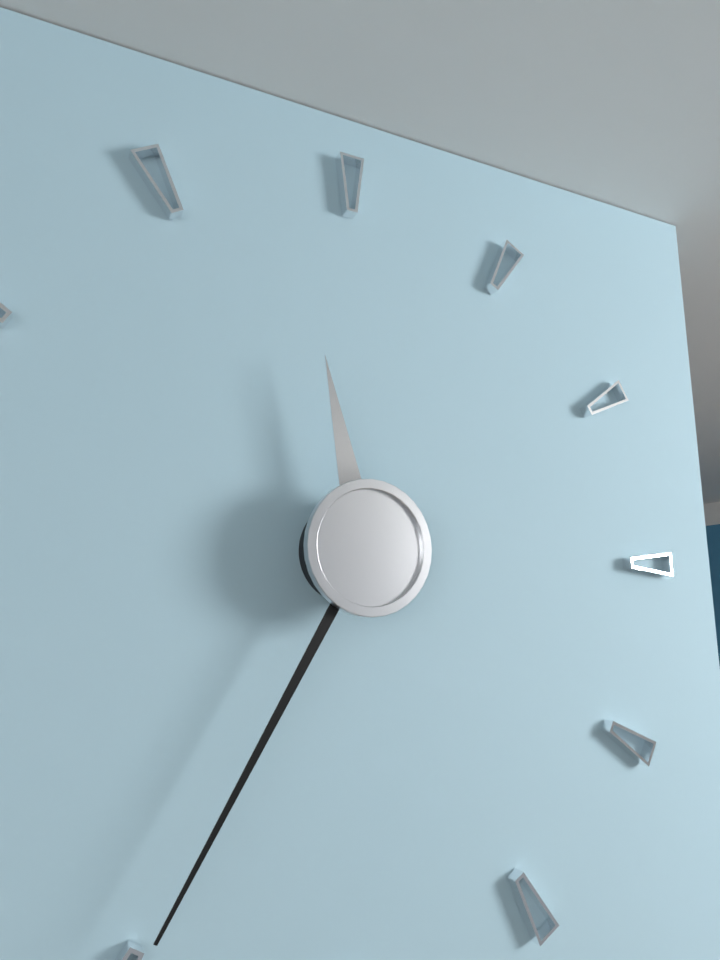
11:35
